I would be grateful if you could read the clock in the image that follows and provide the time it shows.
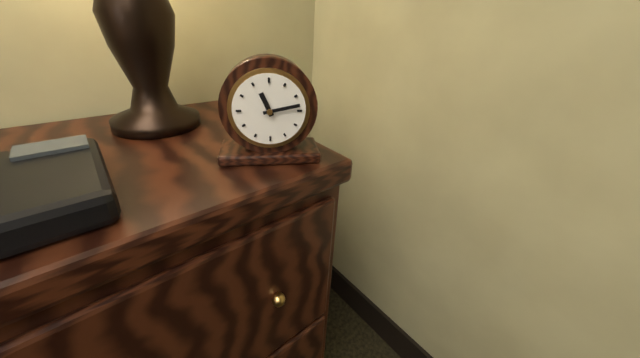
11:13
